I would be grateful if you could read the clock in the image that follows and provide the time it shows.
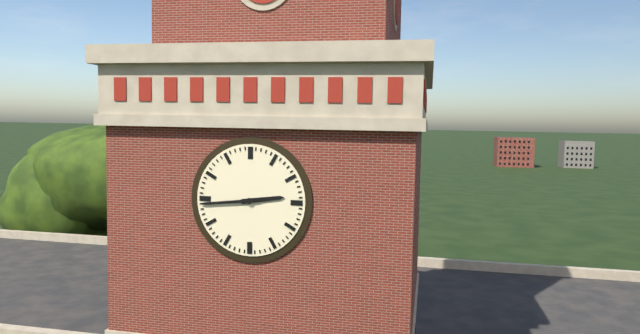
2:44
